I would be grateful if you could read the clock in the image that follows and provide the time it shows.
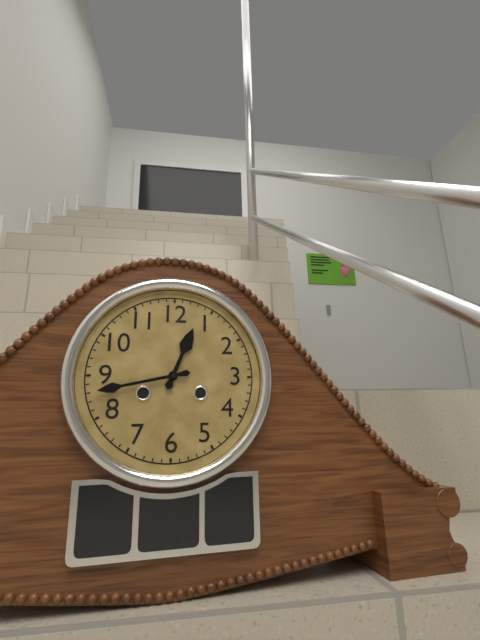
12:43
